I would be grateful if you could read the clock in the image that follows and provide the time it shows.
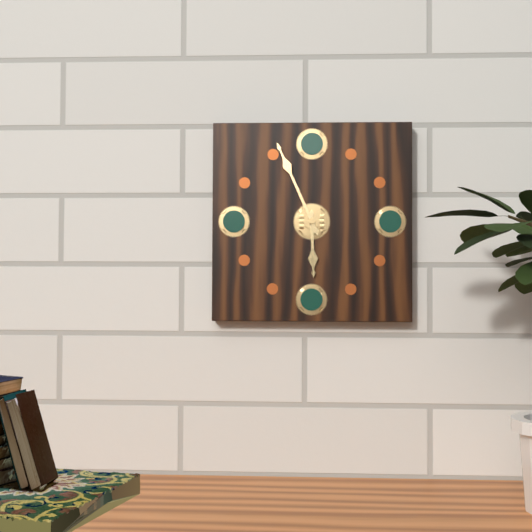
5:56
